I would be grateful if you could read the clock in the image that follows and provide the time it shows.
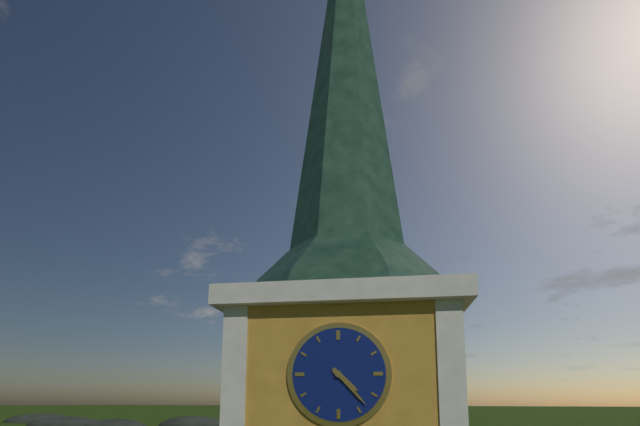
4:23
